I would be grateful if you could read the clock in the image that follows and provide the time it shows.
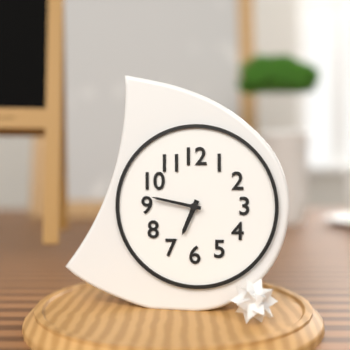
6:47
